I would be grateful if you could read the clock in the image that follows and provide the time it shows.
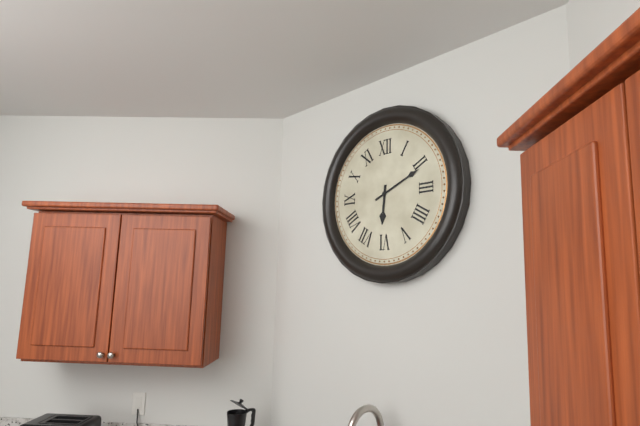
6:11
